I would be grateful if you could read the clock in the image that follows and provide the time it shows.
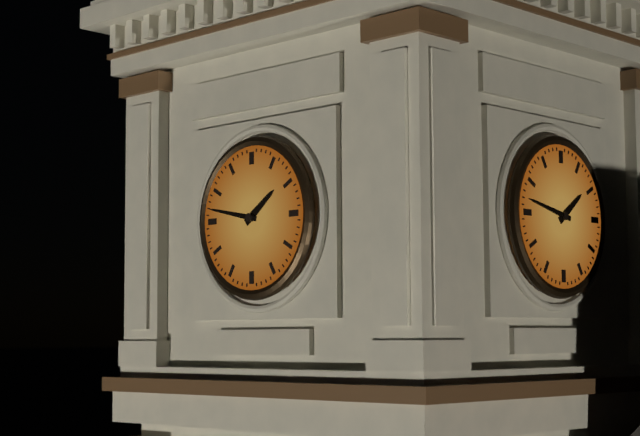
1:47
